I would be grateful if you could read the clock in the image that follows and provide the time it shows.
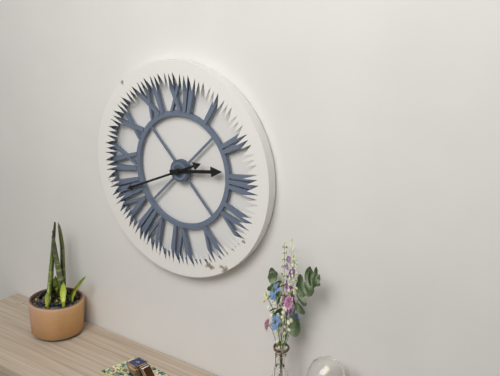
2:41
